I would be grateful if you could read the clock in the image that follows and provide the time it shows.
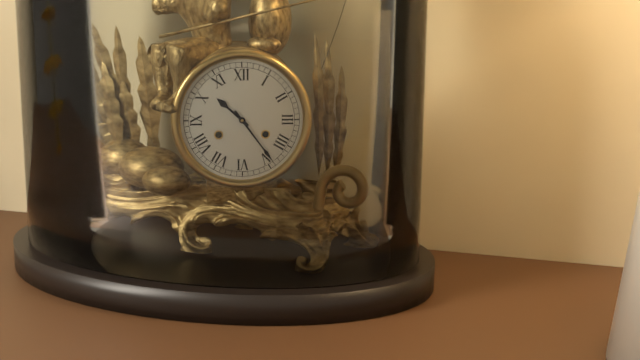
10:24
